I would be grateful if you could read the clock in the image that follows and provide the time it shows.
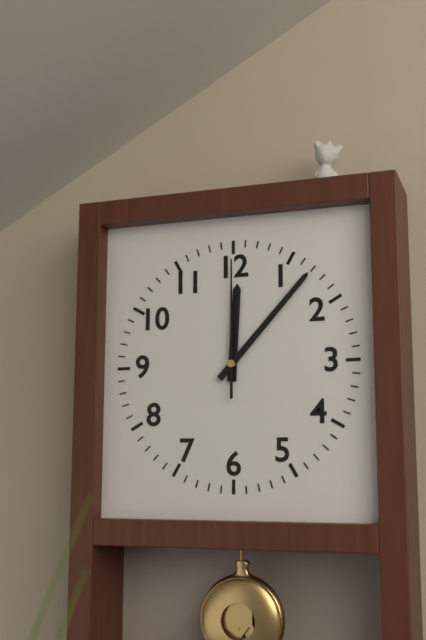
12:07:00
